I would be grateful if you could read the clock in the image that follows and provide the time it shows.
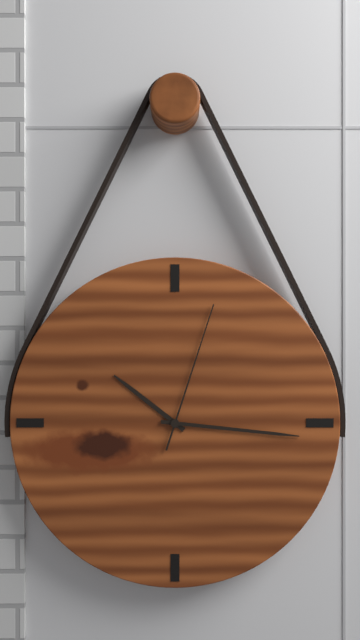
10:16:03
